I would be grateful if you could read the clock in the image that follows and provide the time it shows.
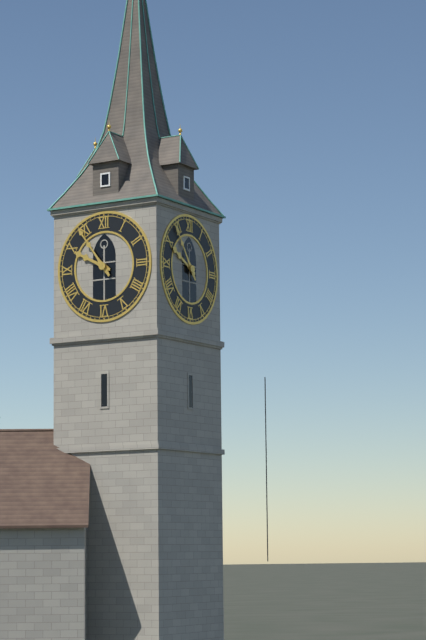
9:54
